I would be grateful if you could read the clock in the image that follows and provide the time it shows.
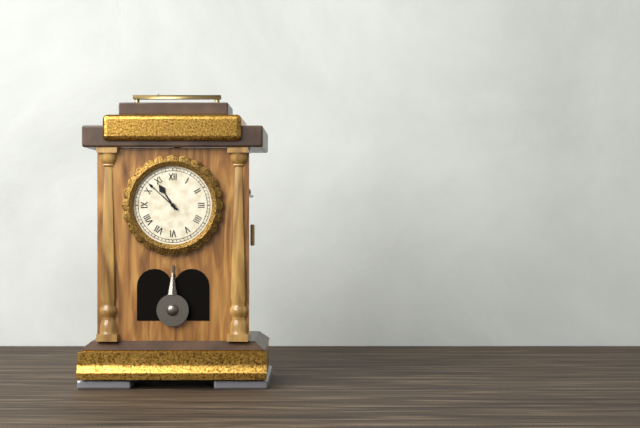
10:52
